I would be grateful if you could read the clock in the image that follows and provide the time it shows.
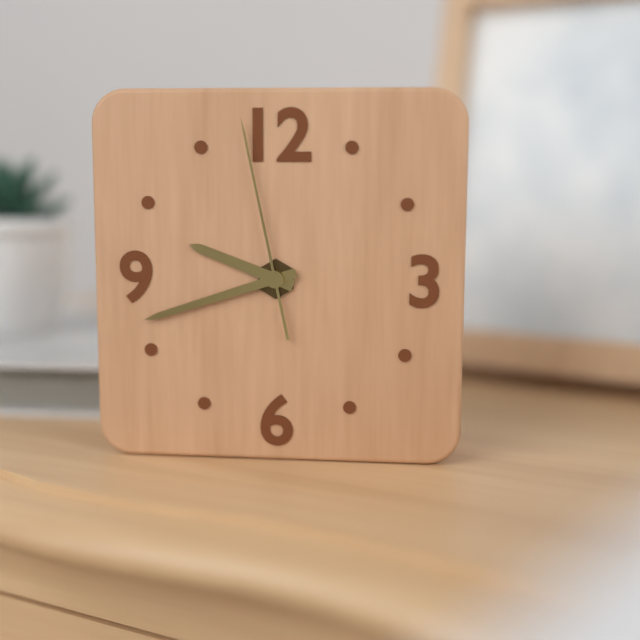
9:42:58
